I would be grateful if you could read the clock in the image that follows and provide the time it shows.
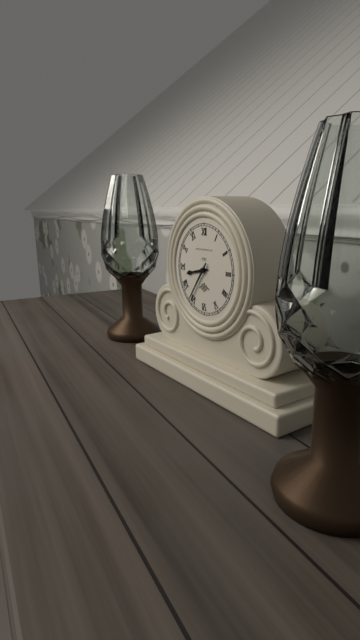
8:36
